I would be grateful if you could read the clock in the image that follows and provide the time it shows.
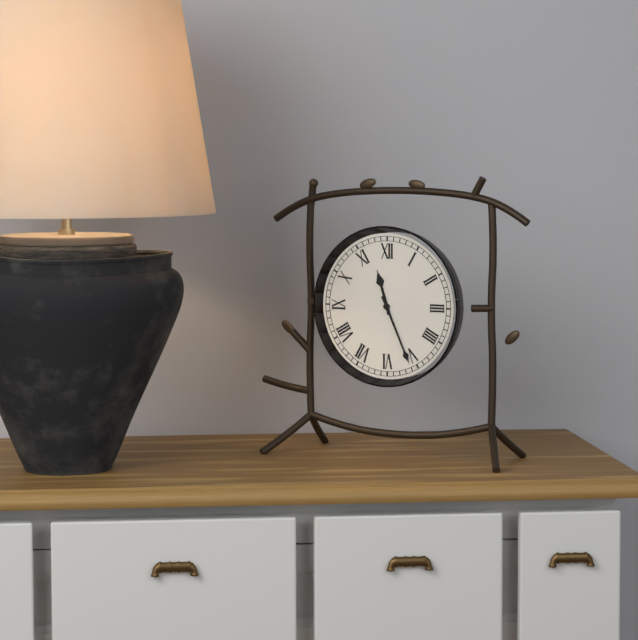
11:26
